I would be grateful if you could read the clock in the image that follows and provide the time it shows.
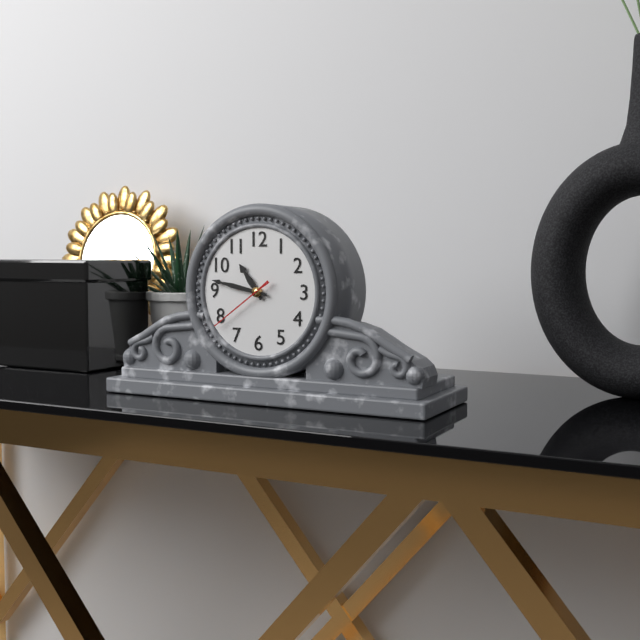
10:47:39
